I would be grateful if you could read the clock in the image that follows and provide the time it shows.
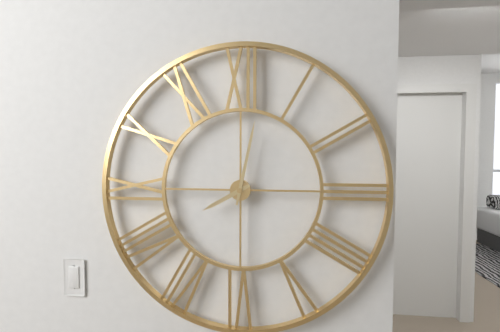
8:02
